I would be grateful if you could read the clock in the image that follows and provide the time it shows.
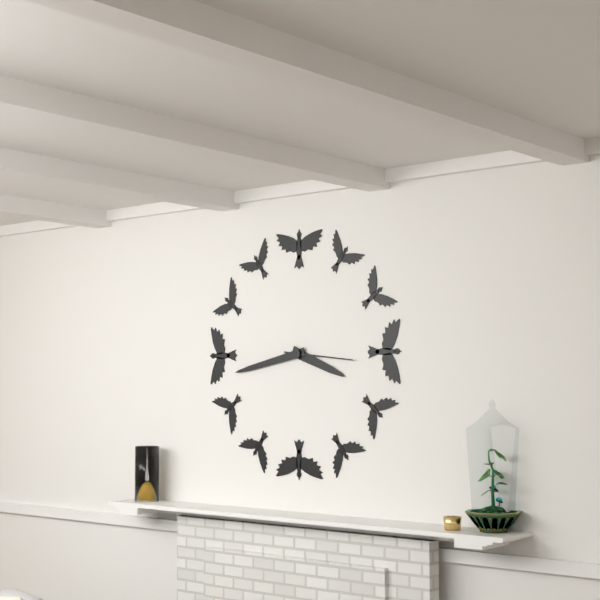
3:43:16
